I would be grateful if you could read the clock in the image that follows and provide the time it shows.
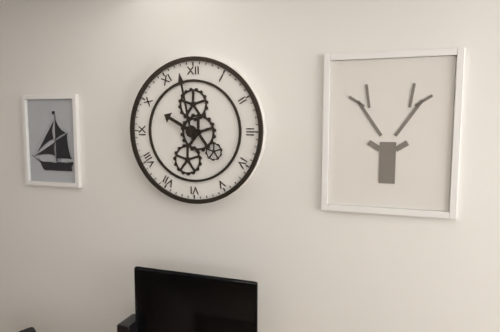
9:58
